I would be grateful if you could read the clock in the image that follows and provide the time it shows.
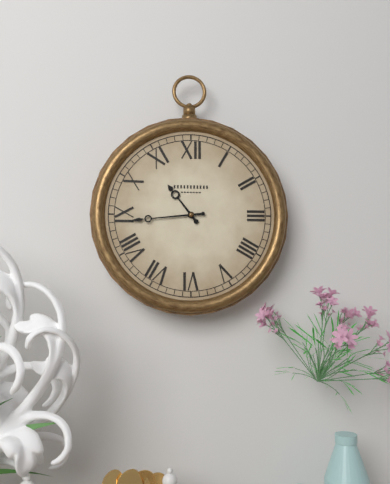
10:44
